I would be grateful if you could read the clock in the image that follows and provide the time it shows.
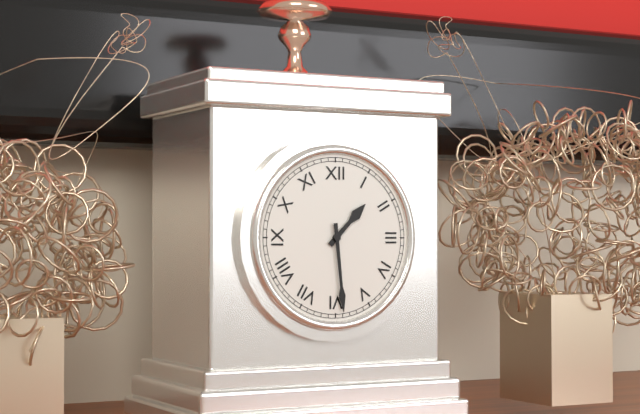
1:29
